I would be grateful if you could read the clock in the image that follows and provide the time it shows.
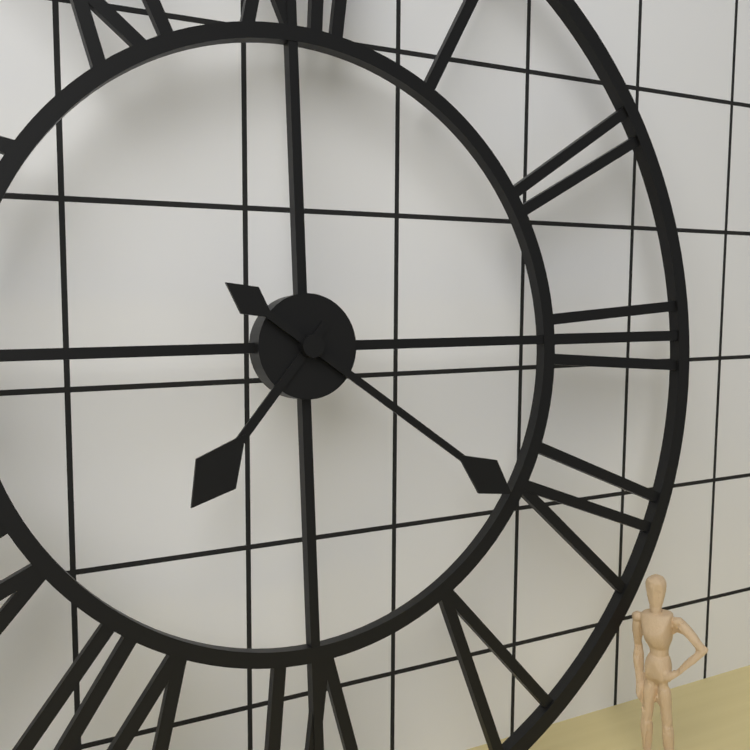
7:21
